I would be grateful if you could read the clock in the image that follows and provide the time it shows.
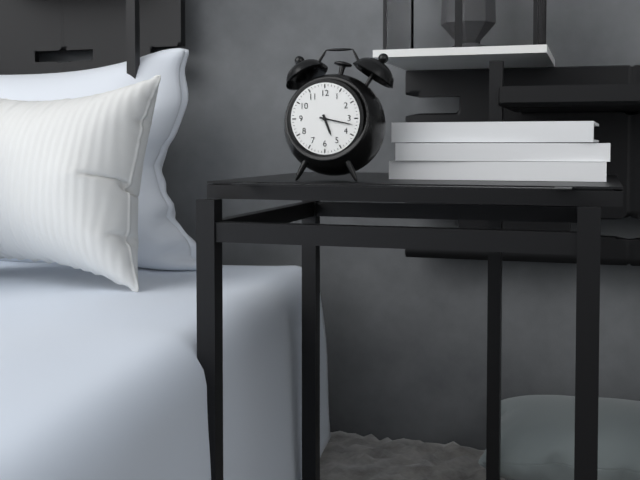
5:17
